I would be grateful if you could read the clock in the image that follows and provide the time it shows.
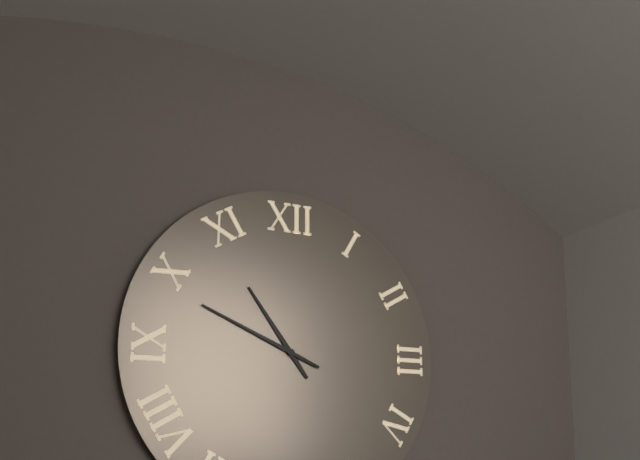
10:49
